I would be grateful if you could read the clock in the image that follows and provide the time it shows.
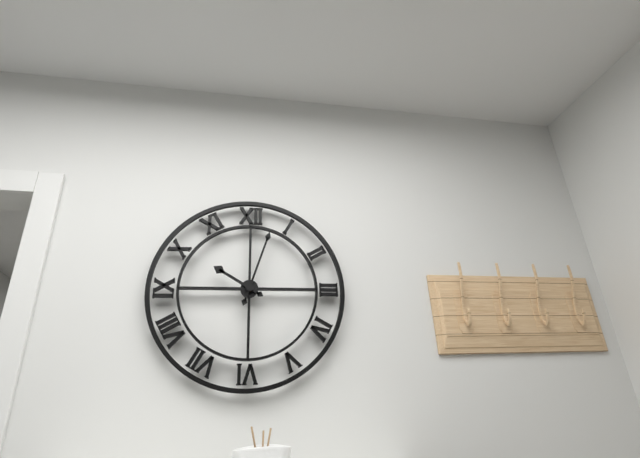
10:03
